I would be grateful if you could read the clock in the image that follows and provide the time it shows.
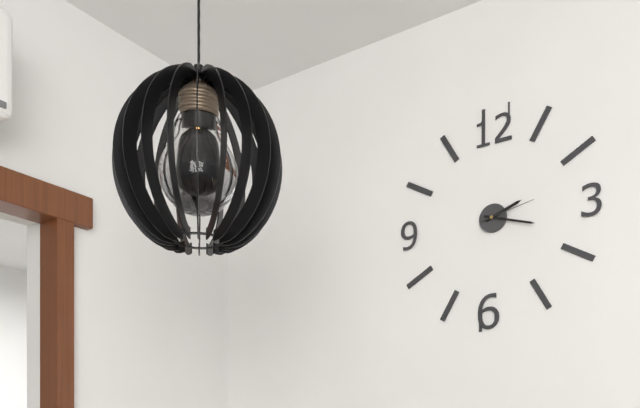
2:18:13
